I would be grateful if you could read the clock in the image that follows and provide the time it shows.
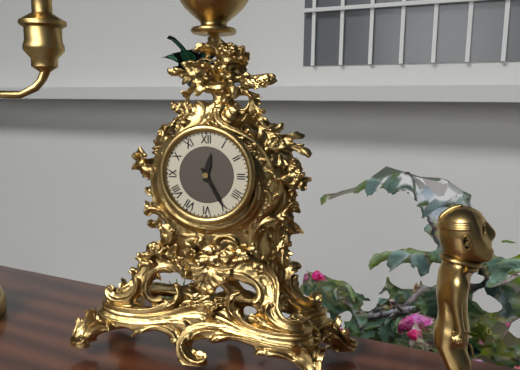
12:25
